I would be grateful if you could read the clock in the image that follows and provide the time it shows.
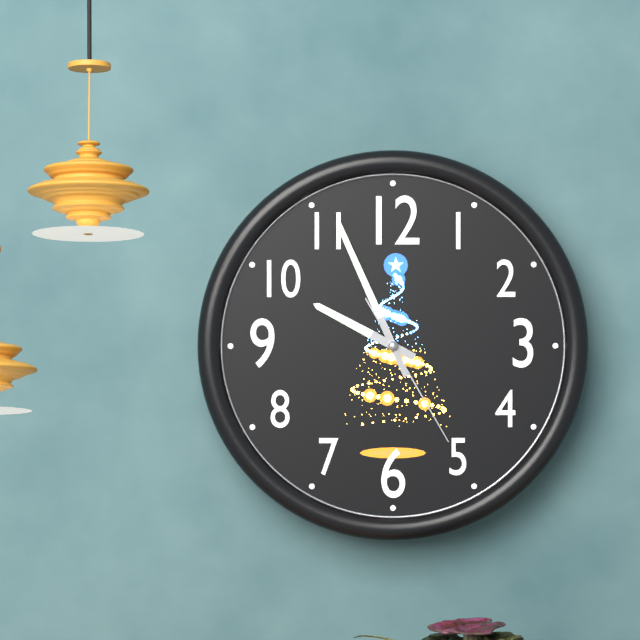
9:56:25
